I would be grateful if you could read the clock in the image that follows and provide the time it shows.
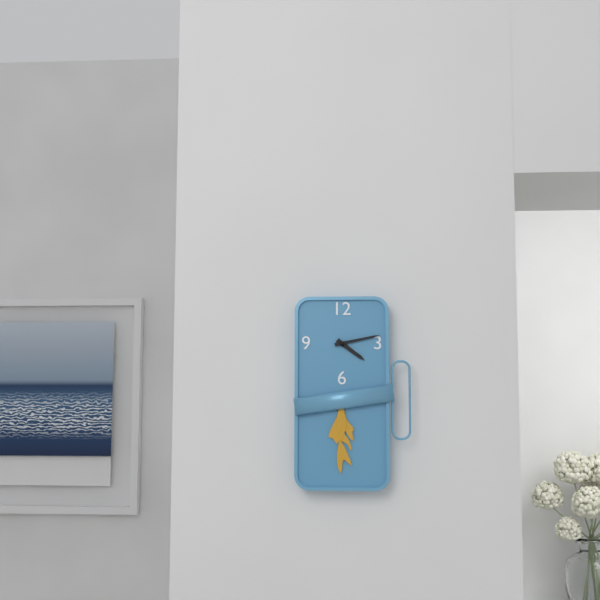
4:13
